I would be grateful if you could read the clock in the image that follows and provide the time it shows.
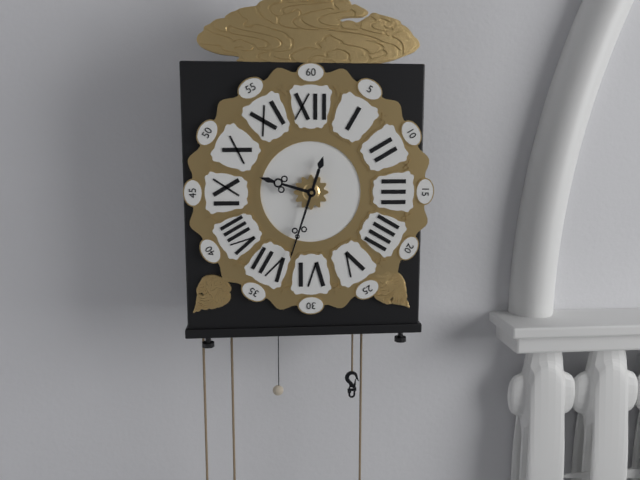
9:33
